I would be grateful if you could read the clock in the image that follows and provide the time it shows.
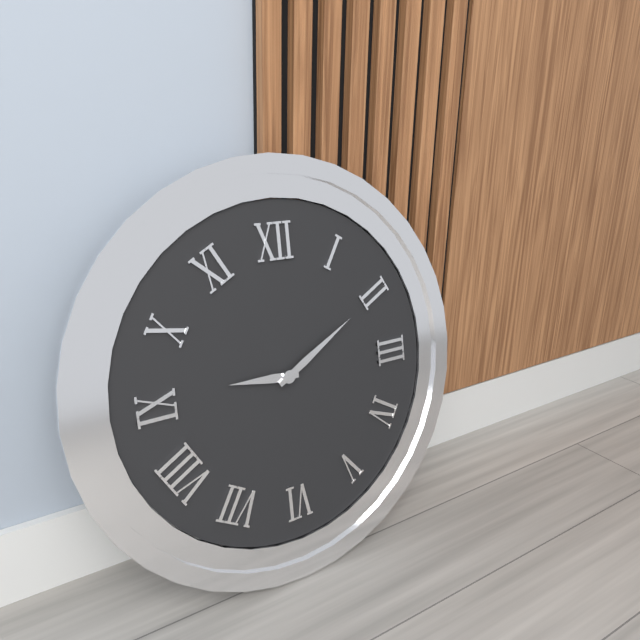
9:10
